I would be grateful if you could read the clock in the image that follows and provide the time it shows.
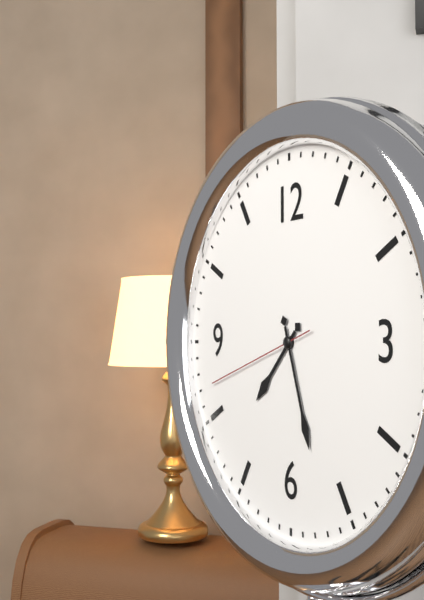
7:27:42
